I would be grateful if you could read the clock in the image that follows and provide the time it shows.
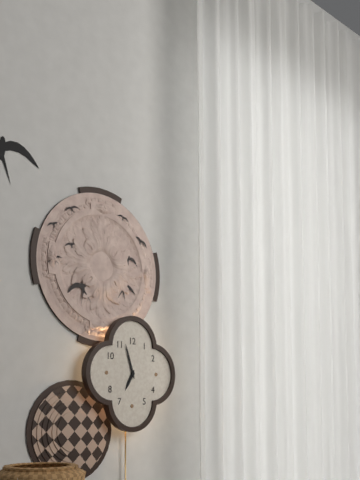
6:57
